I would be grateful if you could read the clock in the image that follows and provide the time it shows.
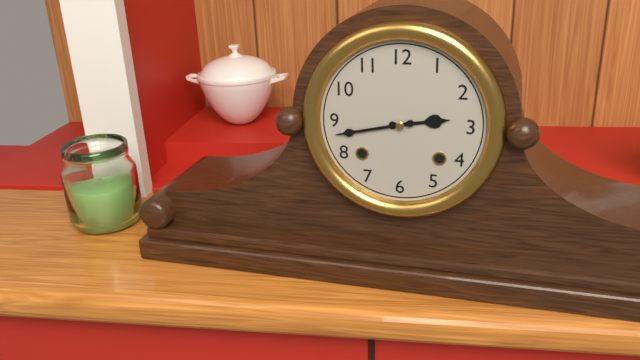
2:43
